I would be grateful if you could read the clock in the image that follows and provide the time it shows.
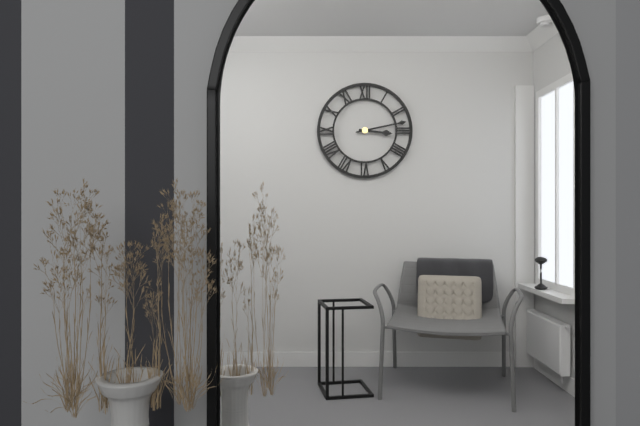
3:13
